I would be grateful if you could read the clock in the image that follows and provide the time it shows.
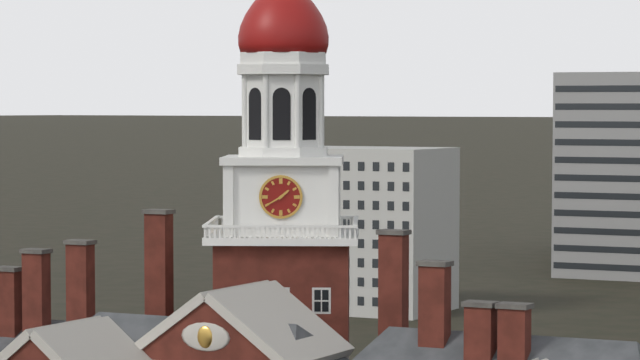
1:40
